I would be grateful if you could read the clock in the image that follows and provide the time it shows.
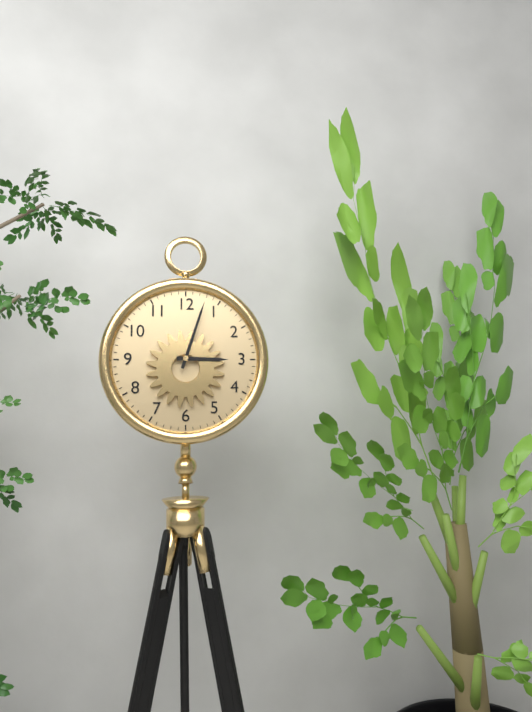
3:03
